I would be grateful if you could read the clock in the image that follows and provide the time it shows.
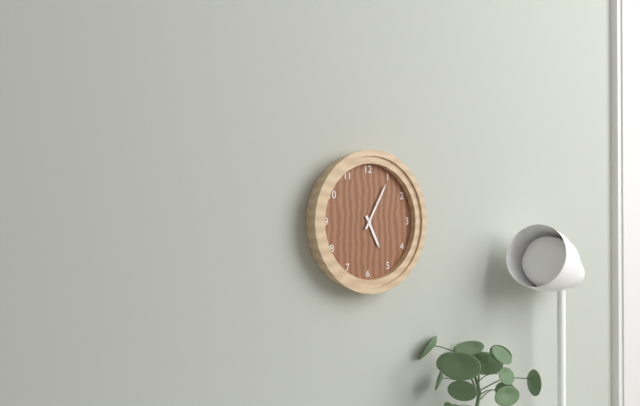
5:05
